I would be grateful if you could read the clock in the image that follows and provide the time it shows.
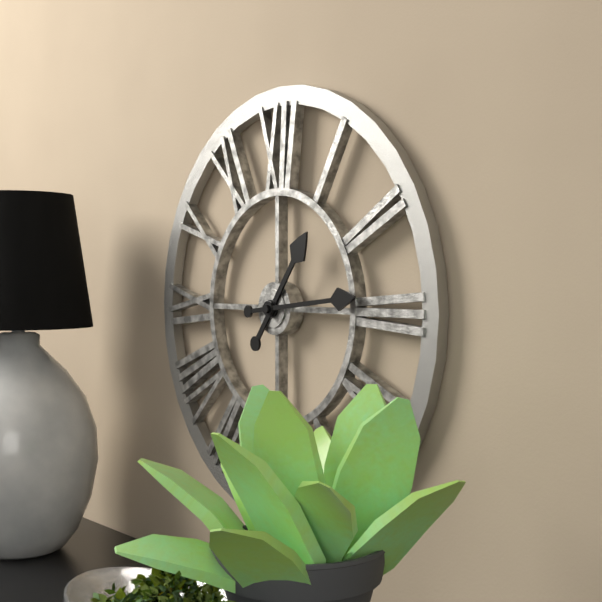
1:14
